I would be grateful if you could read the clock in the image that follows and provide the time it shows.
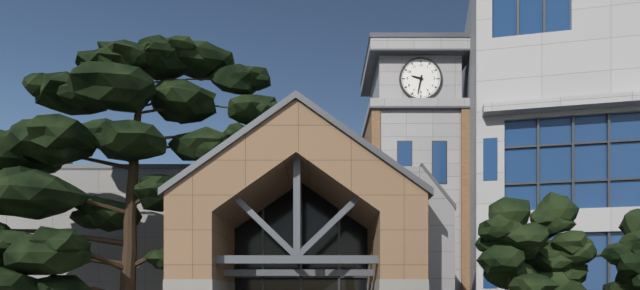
9:32
